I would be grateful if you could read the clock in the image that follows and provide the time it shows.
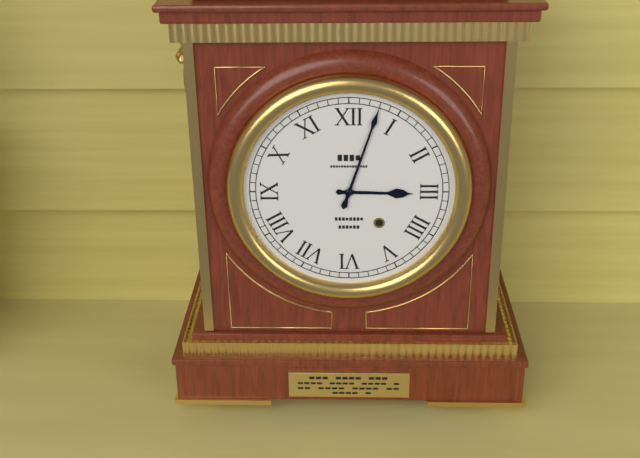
3:03
